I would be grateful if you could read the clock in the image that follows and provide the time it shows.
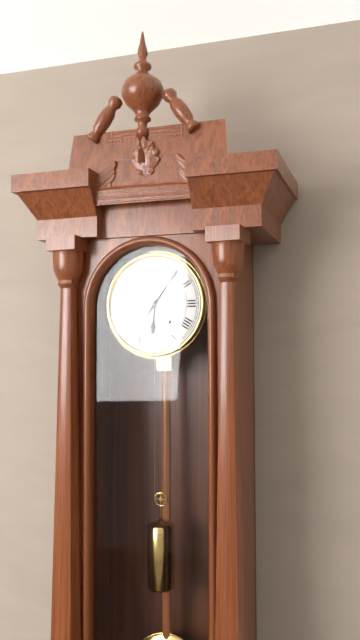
6:06
